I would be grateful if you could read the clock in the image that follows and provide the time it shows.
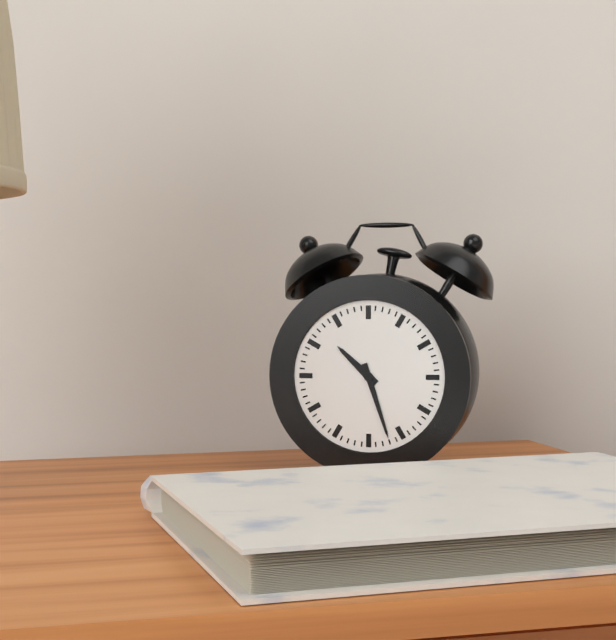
10:27
